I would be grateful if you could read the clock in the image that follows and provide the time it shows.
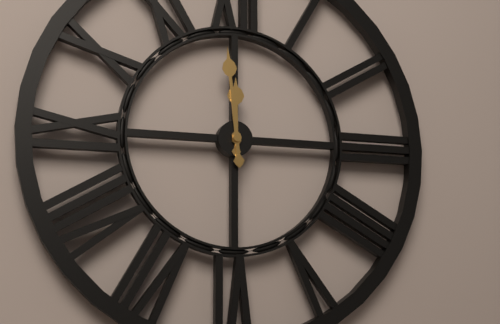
11:59
